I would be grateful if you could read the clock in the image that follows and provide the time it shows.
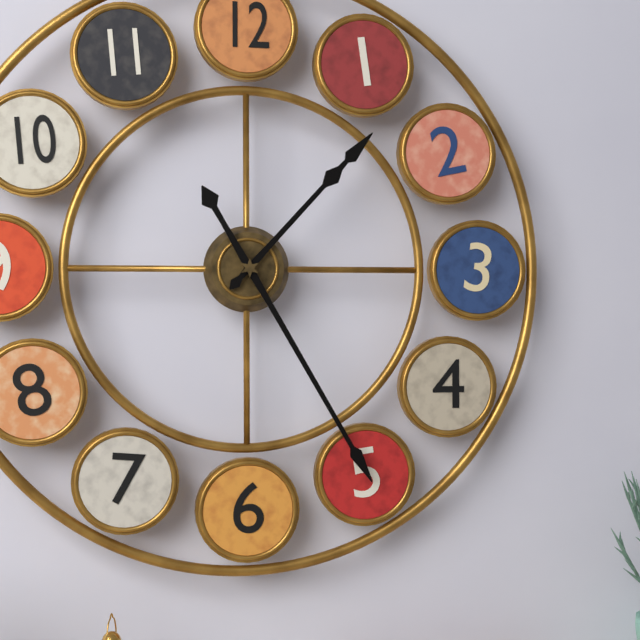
1:25
